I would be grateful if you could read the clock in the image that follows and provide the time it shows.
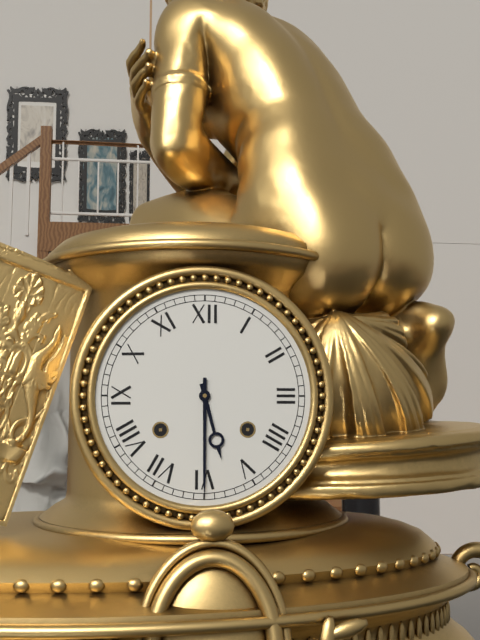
5:30
